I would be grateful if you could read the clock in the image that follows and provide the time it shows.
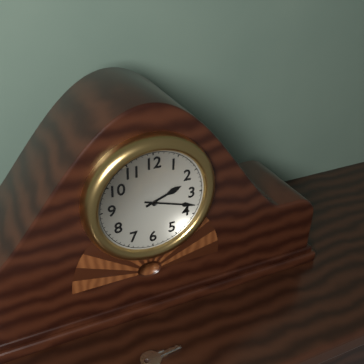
2:18
